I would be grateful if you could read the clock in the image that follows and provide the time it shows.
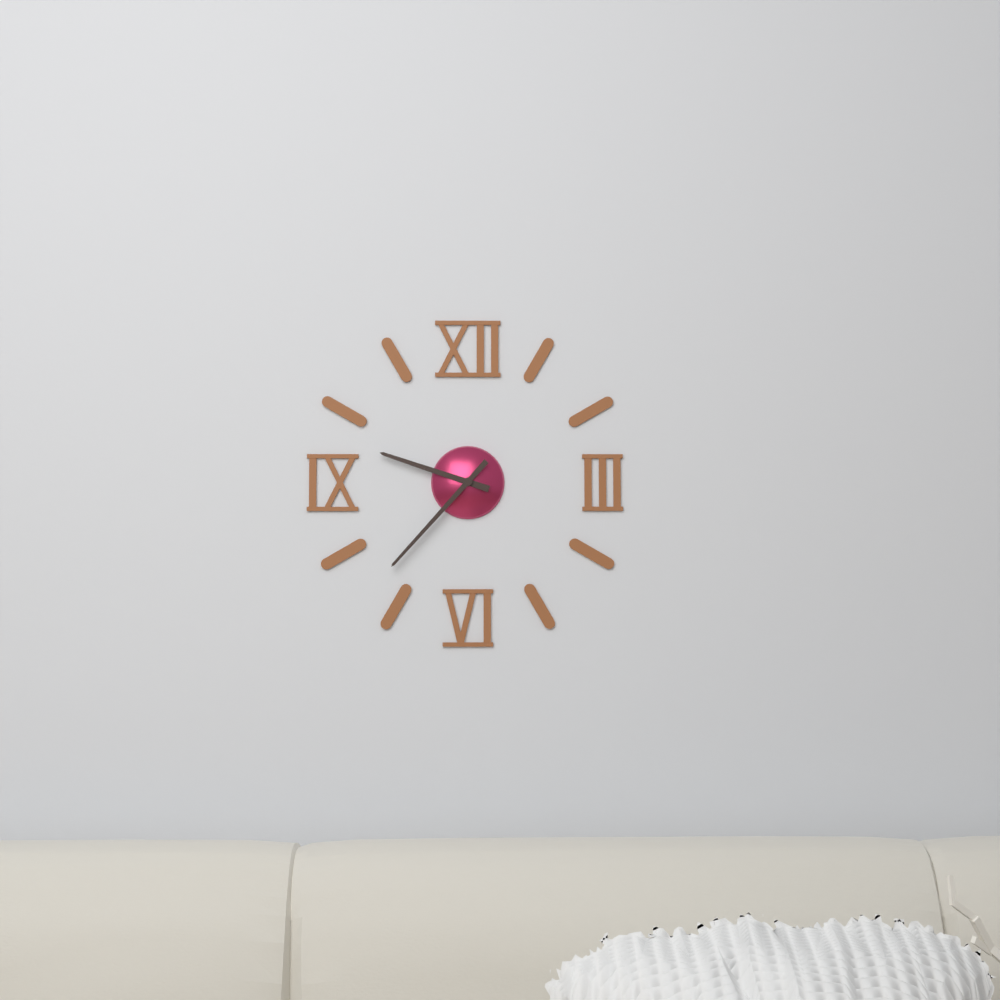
9:37
